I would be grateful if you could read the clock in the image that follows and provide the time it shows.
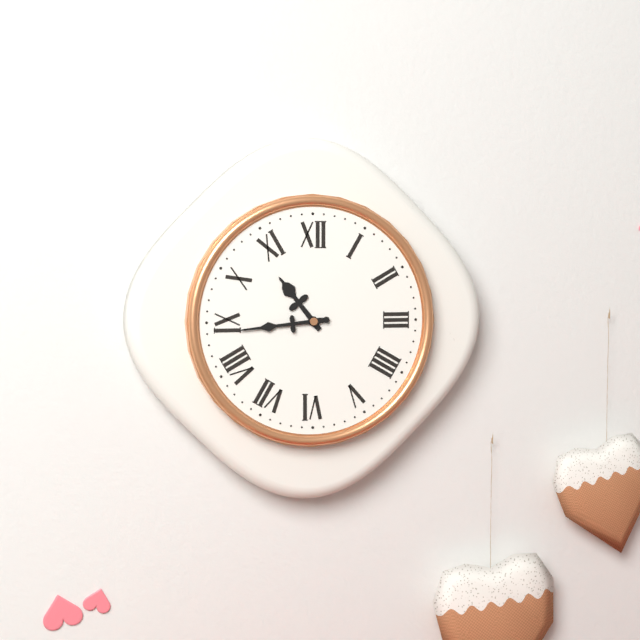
10:44
